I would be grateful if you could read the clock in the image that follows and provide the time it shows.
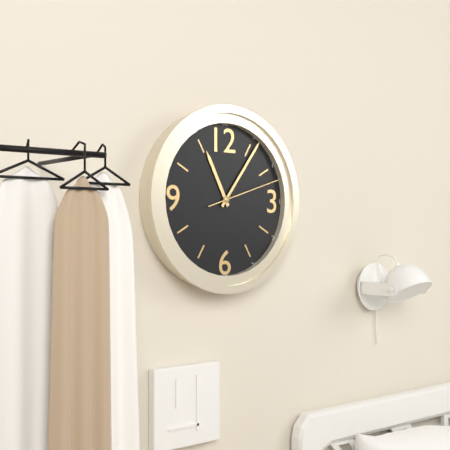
11:06:12
